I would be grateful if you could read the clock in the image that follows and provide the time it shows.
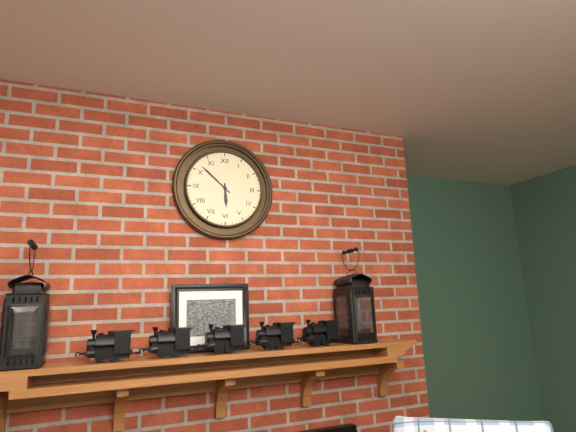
5:52
